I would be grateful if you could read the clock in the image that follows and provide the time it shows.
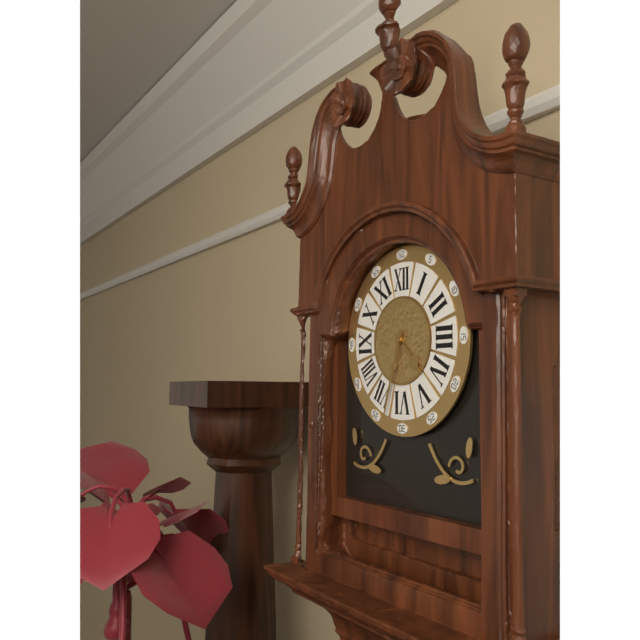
4:33
